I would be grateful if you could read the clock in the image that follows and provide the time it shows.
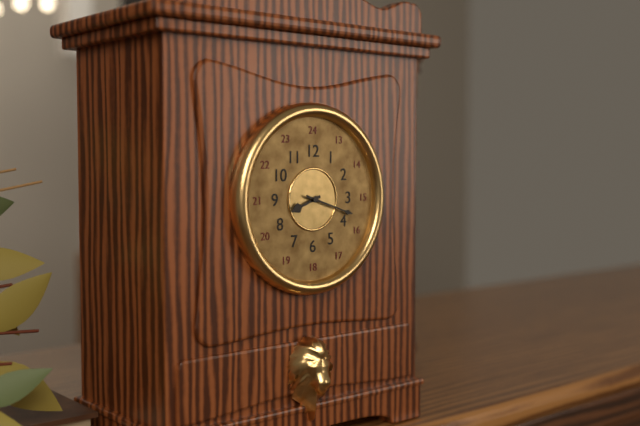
8:18
